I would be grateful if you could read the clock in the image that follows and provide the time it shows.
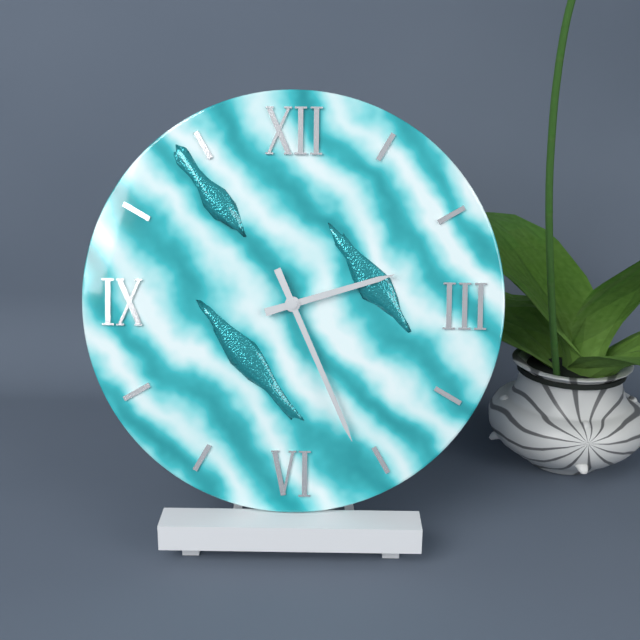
2:26
